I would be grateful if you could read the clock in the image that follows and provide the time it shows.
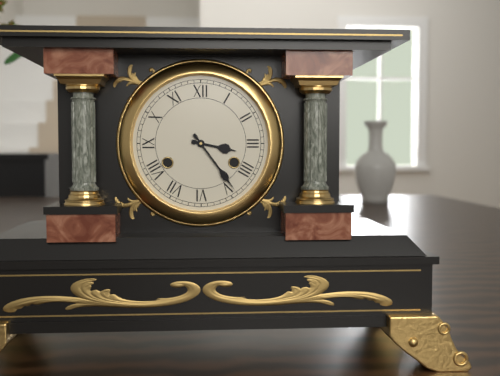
3:24
